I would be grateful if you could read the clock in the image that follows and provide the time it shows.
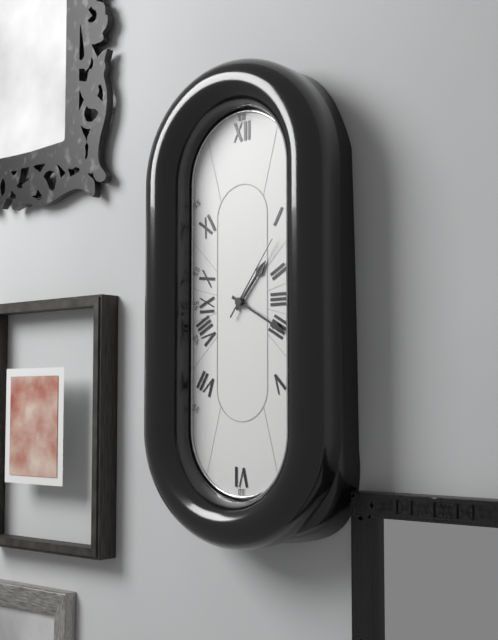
1:20:06
